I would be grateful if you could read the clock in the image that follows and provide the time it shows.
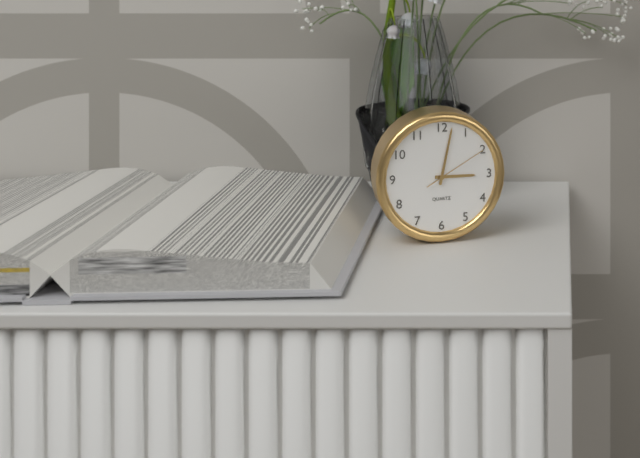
3:02:10
